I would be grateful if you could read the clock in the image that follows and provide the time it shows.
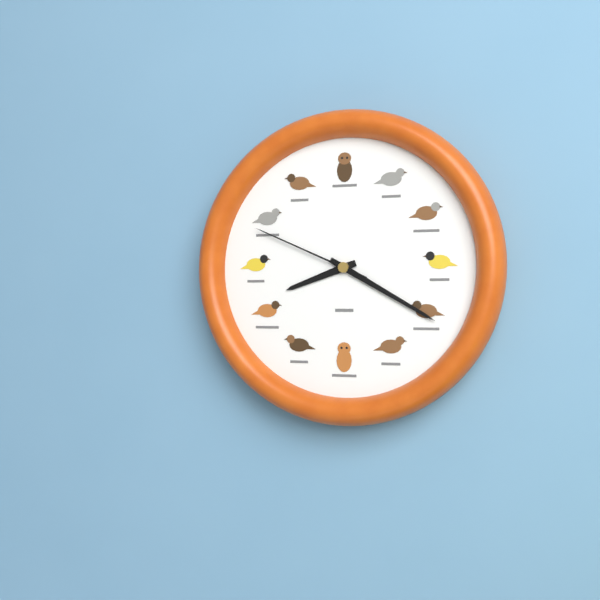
8:20:49
